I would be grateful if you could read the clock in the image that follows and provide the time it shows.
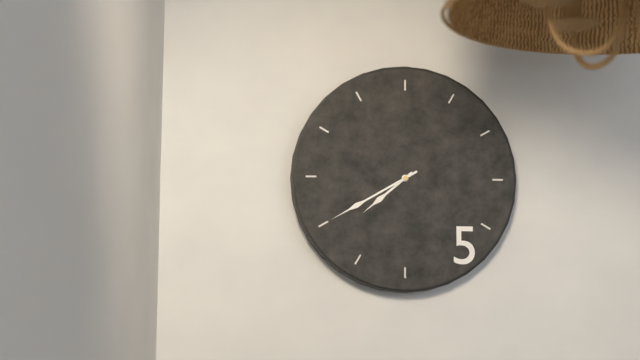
7:40
